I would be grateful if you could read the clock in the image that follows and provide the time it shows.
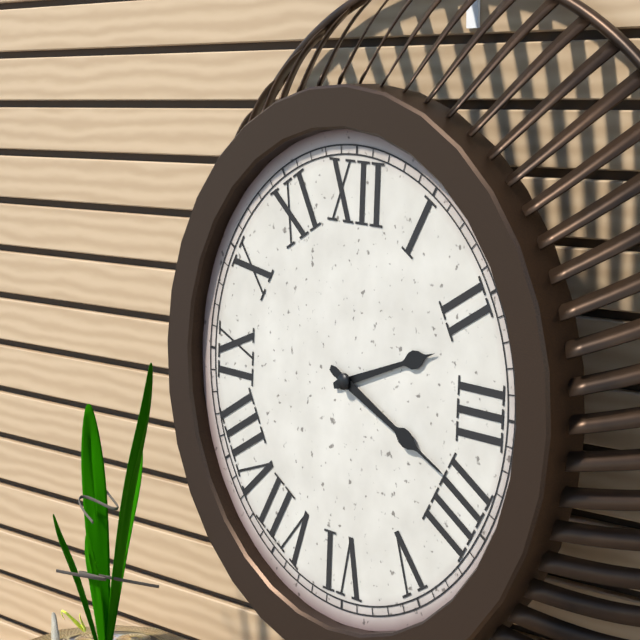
2:19
